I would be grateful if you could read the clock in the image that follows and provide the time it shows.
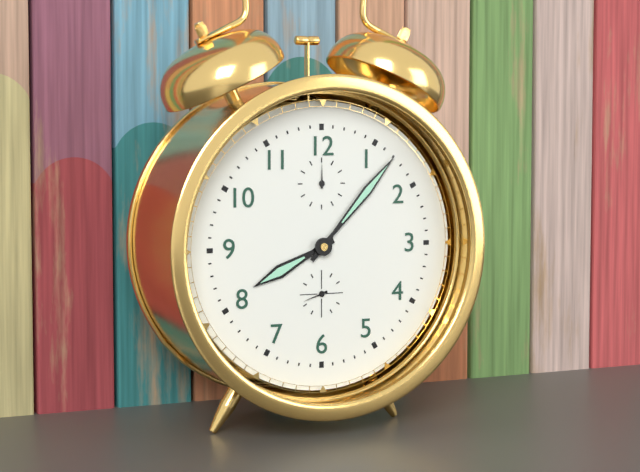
8:07
